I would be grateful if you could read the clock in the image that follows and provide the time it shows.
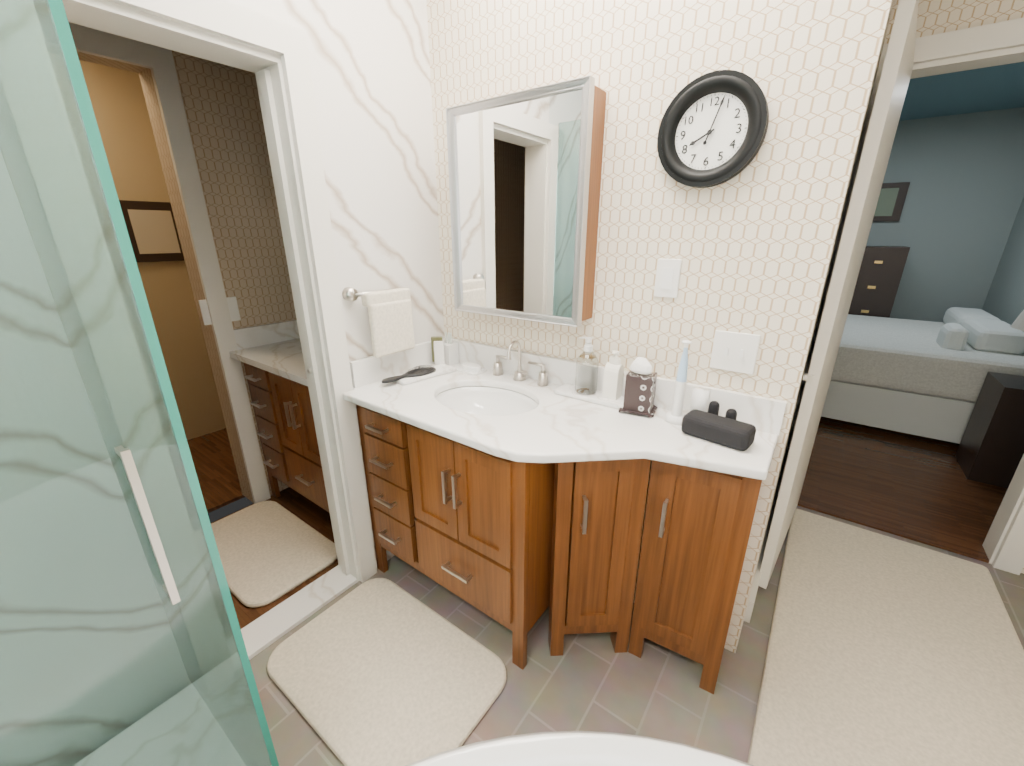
8:03
